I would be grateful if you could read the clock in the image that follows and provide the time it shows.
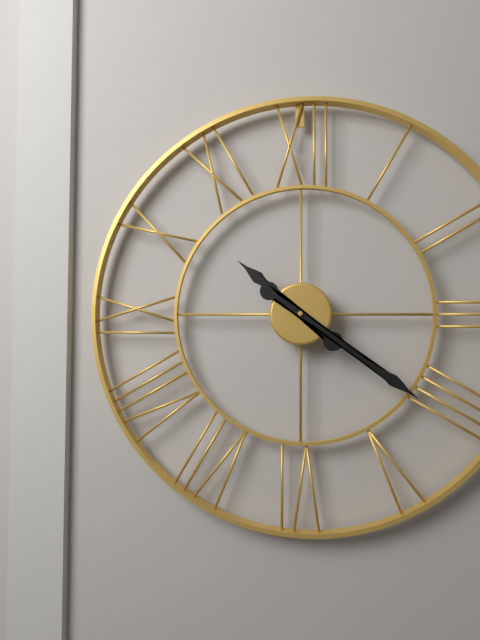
10:21
